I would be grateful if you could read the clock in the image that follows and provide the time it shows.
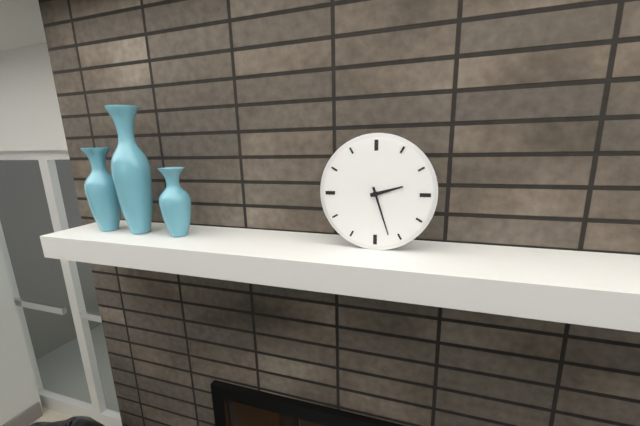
2:27
